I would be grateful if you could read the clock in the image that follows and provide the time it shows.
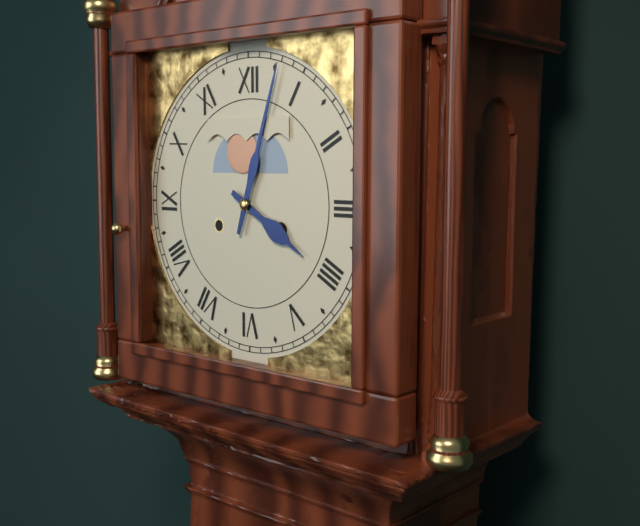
4:03
